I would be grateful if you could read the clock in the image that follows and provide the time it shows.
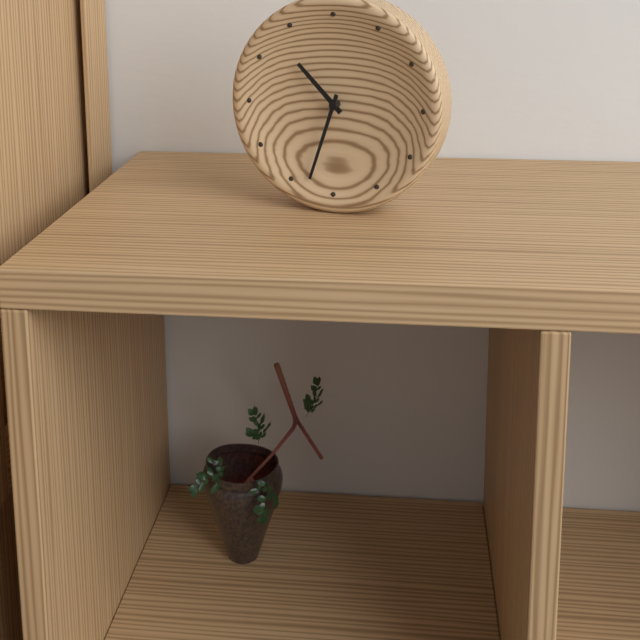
10:33
